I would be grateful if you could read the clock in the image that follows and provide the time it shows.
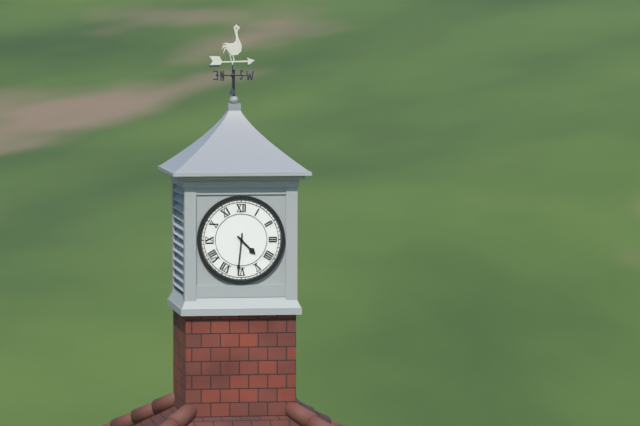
4:31
